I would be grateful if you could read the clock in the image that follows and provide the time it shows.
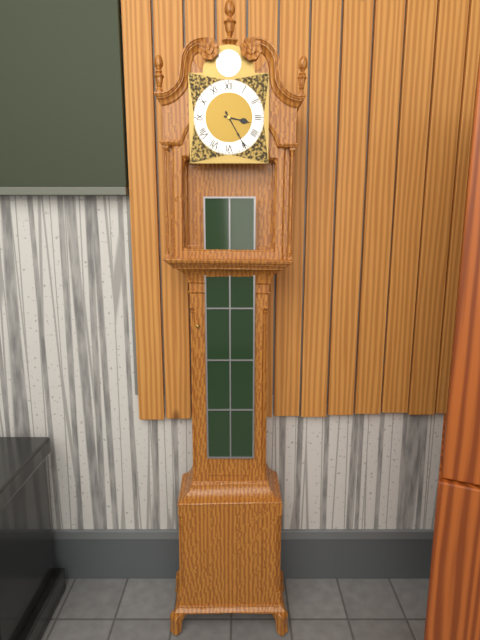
3:25
